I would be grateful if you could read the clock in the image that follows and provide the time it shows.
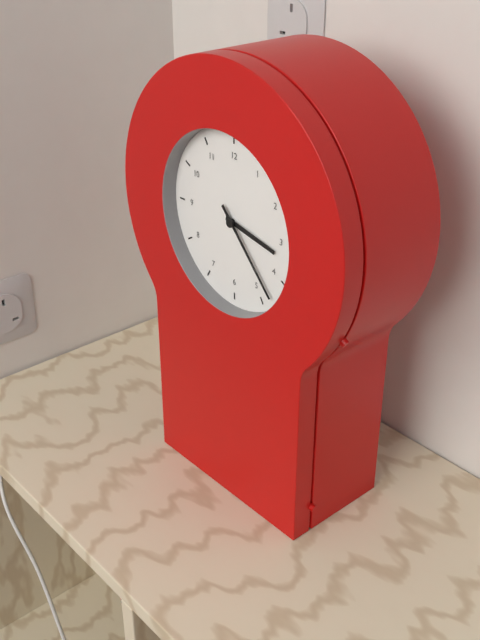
3:23
